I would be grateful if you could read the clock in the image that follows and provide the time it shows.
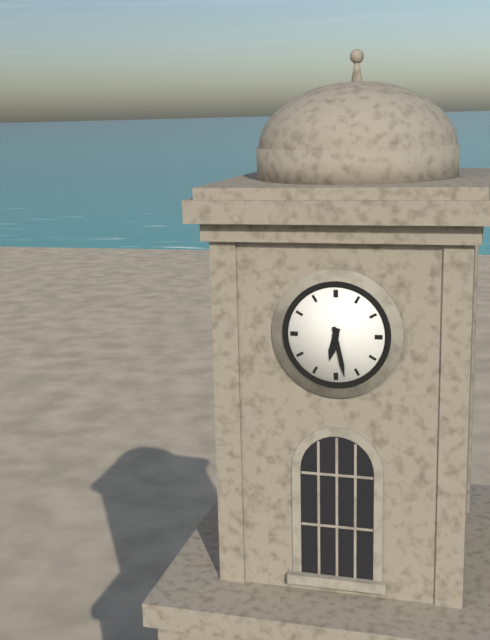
6:28
